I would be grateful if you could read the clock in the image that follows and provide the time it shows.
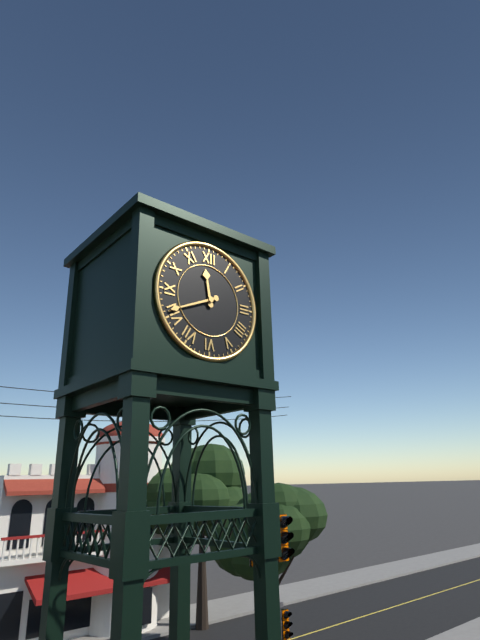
11:41
